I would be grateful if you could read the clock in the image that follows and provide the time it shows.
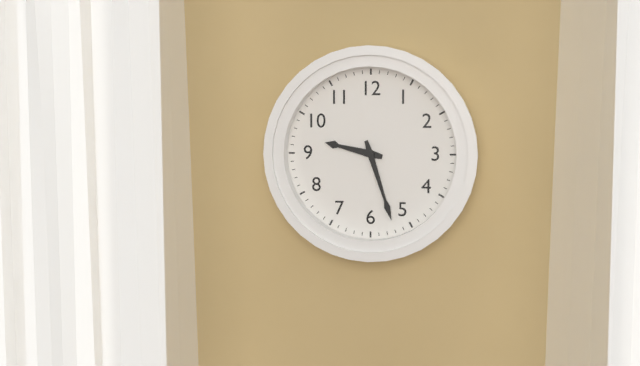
9:27
